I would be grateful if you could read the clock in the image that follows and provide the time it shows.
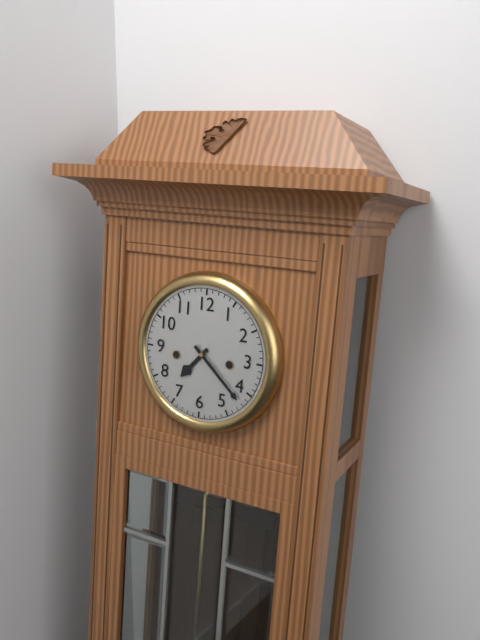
7:22
